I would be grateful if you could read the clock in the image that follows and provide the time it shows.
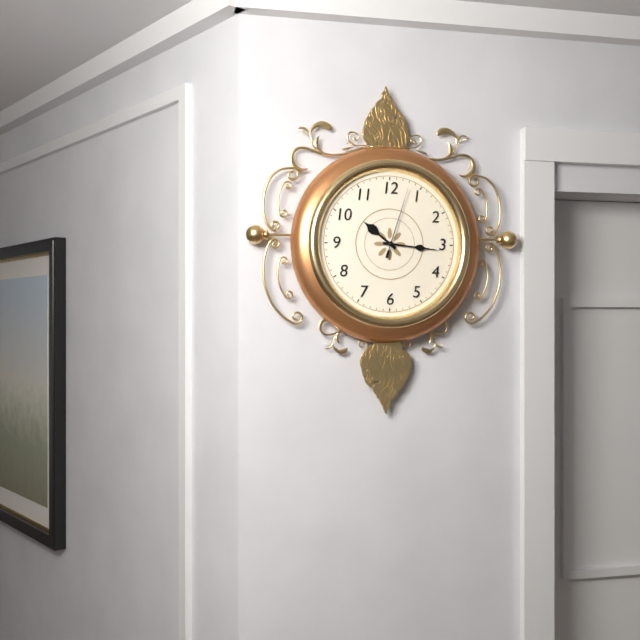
10:16:03
